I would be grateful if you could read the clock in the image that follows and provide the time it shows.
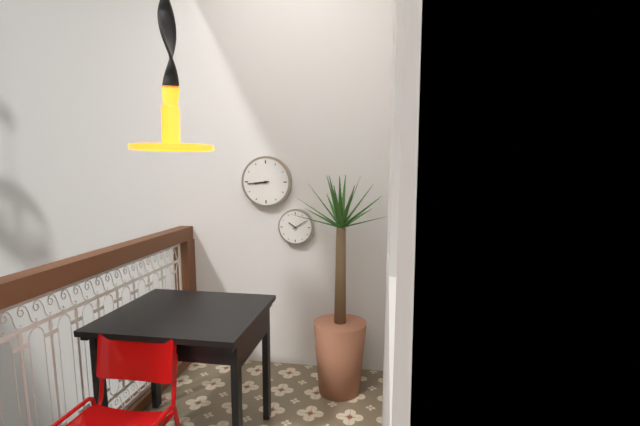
8:44
